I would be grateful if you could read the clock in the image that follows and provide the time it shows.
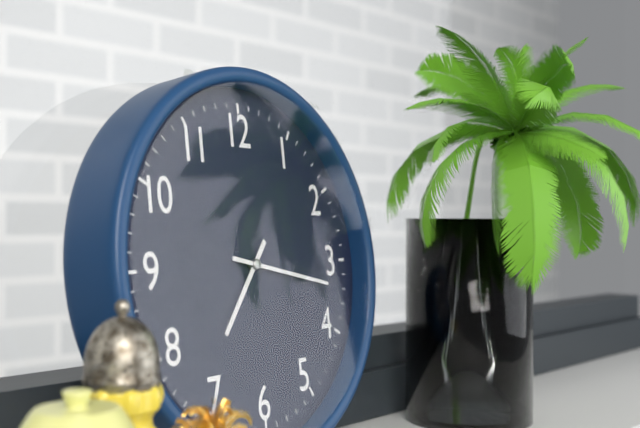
7:17
